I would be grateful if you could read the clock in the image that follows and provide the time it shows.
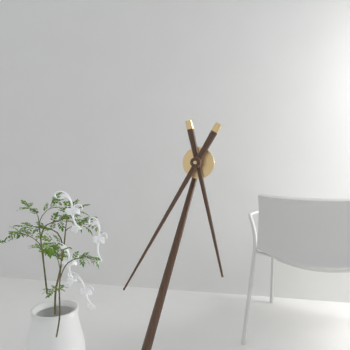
5:35
